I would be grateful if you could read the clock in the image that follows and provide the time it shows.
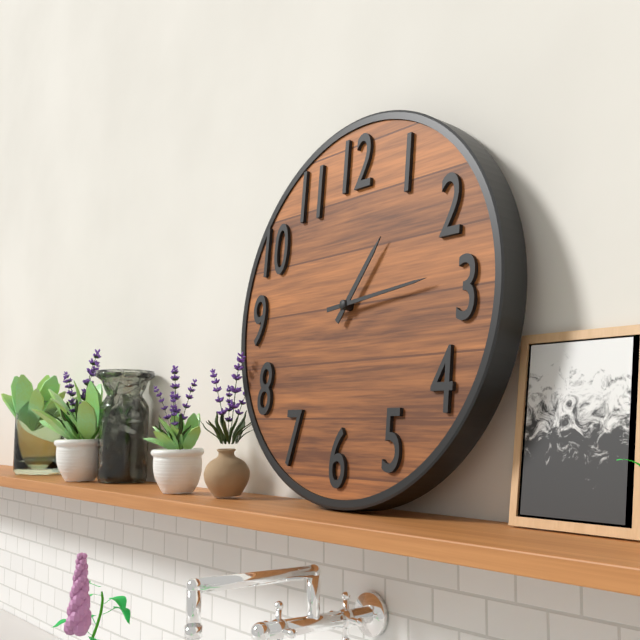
1:14
